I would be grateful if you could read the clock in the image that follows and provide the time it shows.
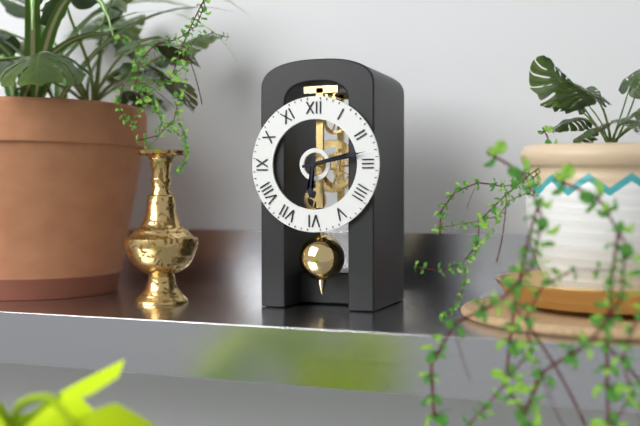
6:13
